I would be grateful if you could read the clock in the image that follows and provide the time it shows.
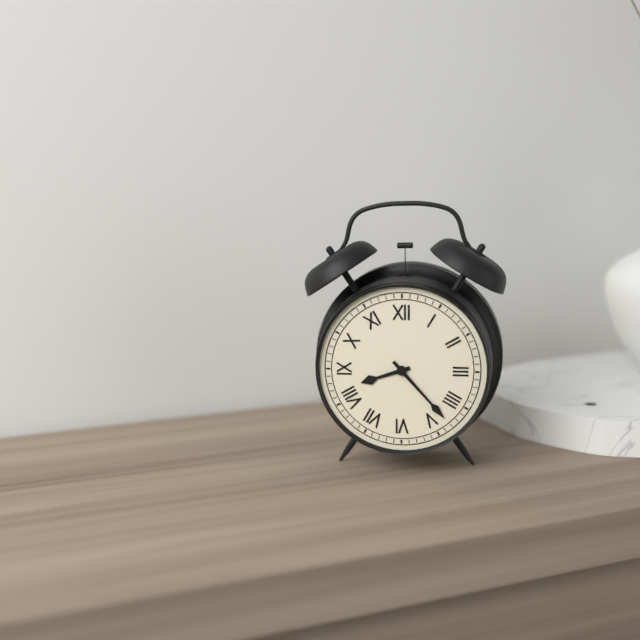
8:23
